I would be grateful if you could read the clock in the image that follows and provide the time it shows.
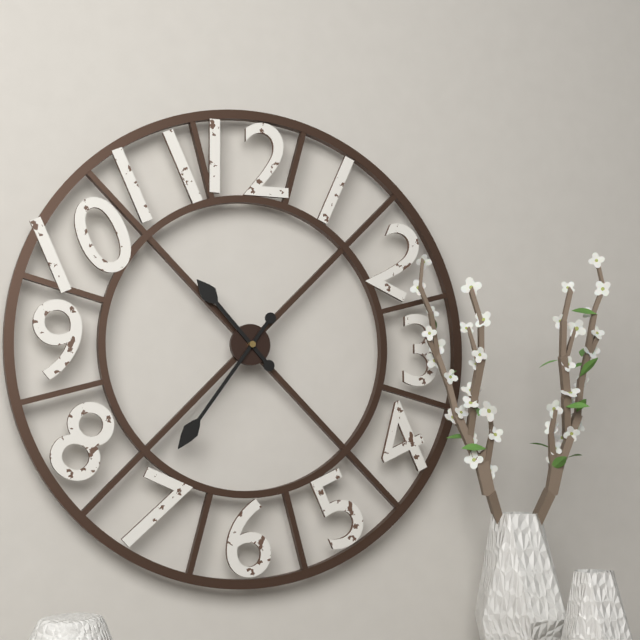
10:36
